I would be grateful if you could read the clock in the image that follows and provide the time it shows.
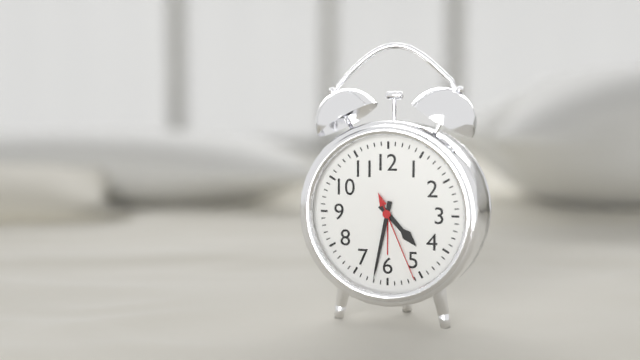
4:32:26
